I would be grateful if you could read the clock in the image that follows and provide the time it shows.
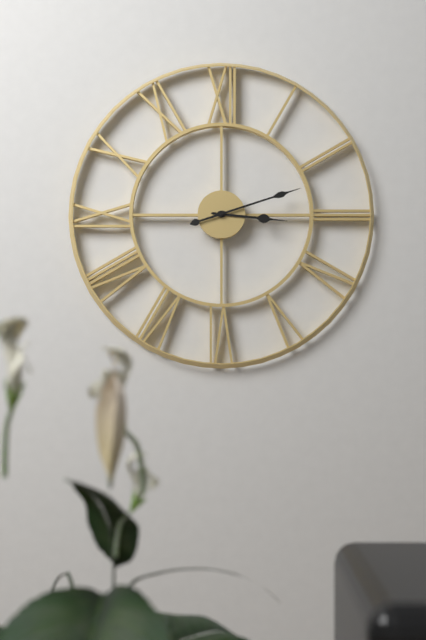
3:12
